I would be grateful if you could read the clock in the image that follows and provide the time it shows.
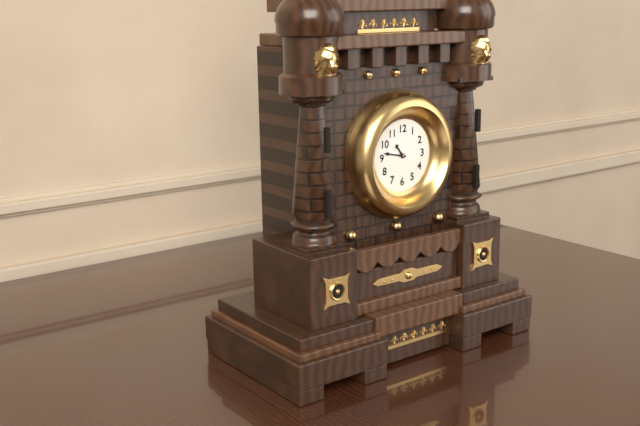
10:47
